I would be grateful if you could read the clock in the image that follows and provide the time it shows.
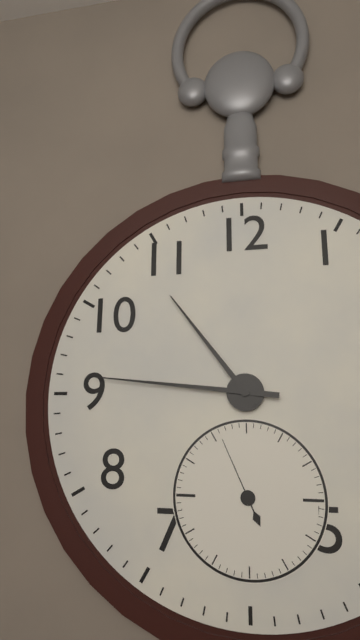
10:46:56
